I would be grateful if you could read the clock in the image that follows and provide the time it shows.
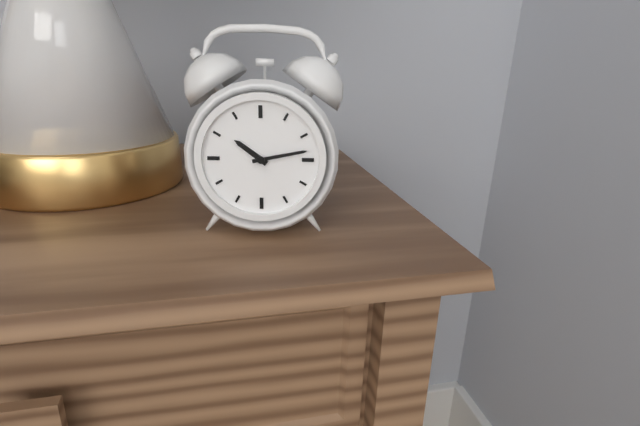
10:13
